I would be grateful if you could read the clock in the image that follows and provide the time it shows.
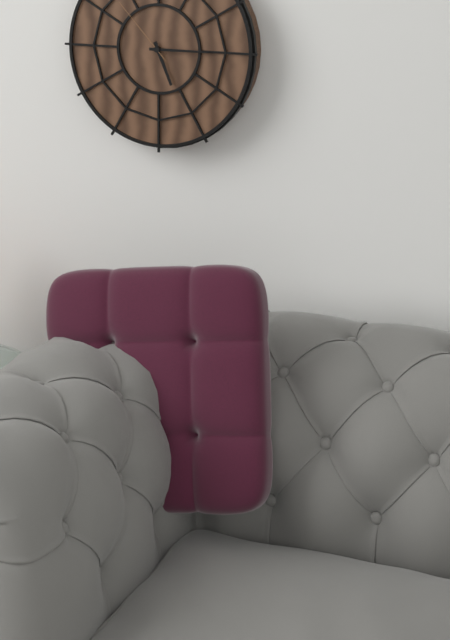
5:15:53
